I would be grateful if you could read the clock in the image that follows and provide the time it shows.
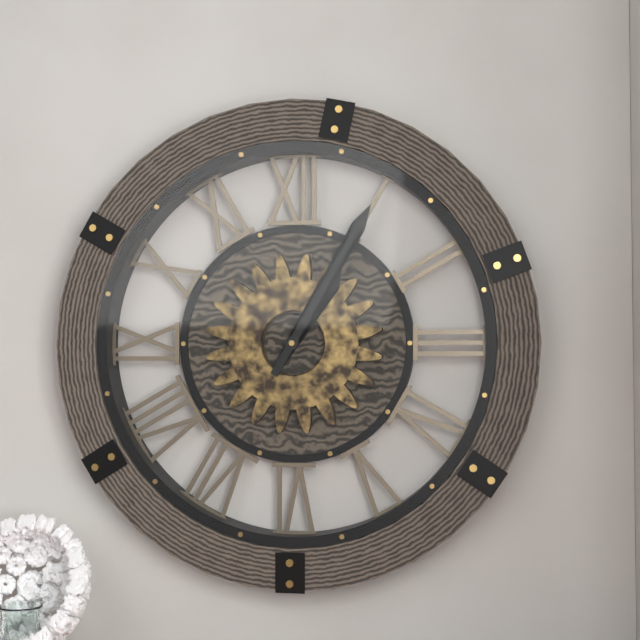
1:05
